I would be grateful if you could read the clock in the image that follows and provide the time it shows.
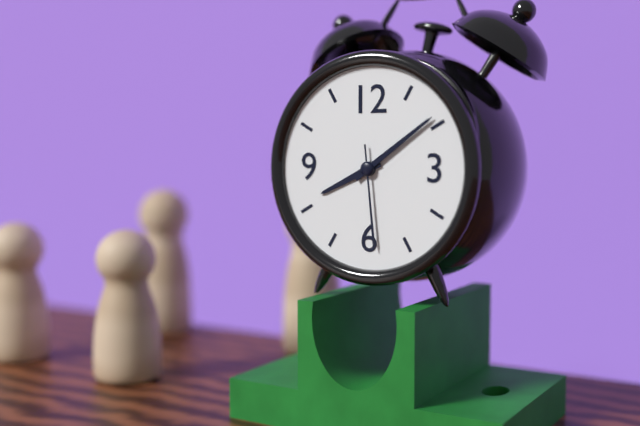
8:09:29
